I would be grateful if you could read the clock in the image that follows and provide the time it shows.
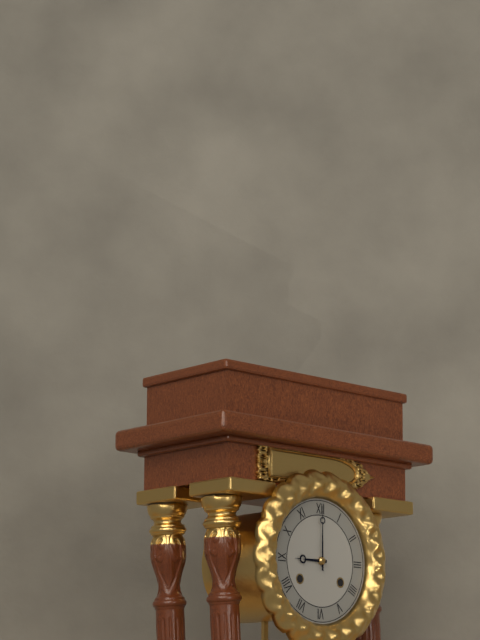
9:00
